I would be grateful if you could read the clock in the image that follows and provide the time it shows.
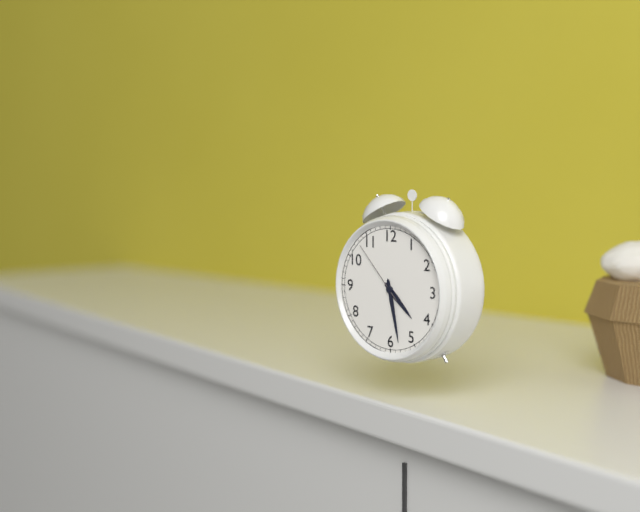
4:28:53
